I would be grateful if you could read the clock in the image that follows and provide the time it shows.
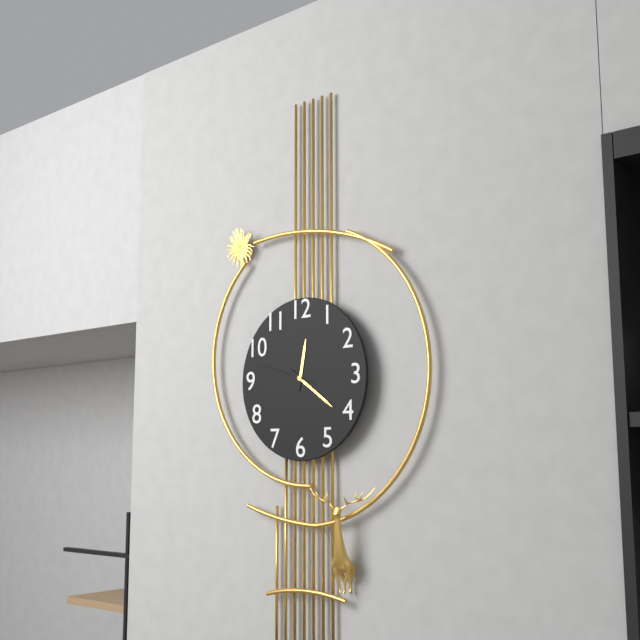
12:21:48
